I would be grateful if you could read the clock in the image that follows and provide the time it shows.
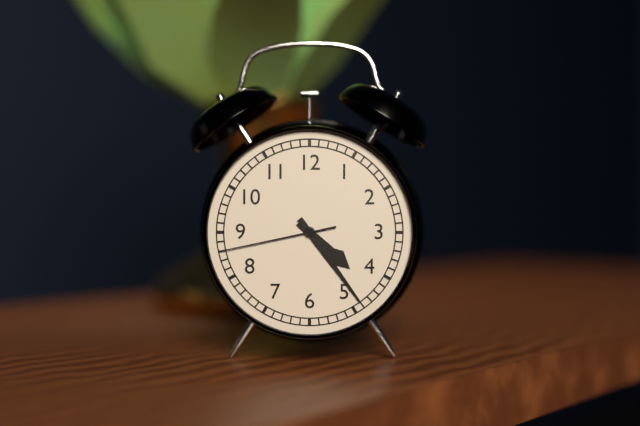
4:24:43
